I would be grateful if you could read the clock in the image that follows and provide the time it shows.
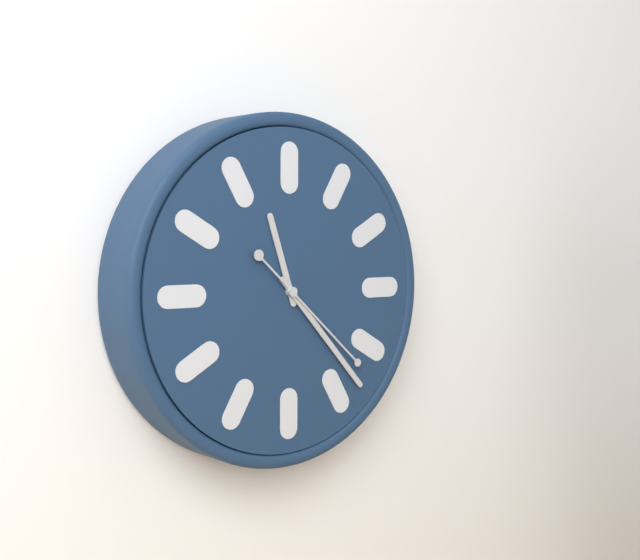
11:23:22
